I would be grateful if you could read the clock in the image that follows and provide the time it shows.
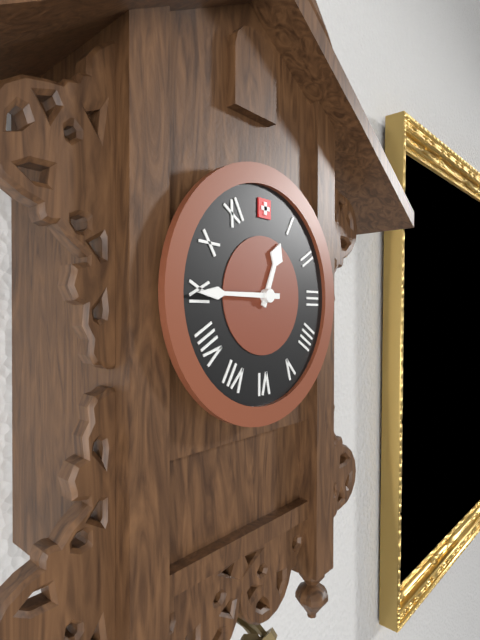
12:45
